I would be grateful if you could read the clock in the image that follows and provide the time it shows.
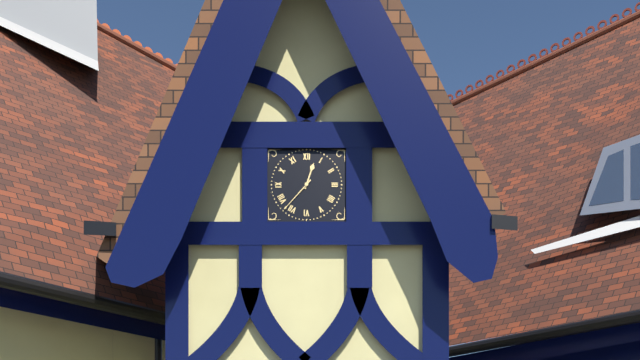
12:37
